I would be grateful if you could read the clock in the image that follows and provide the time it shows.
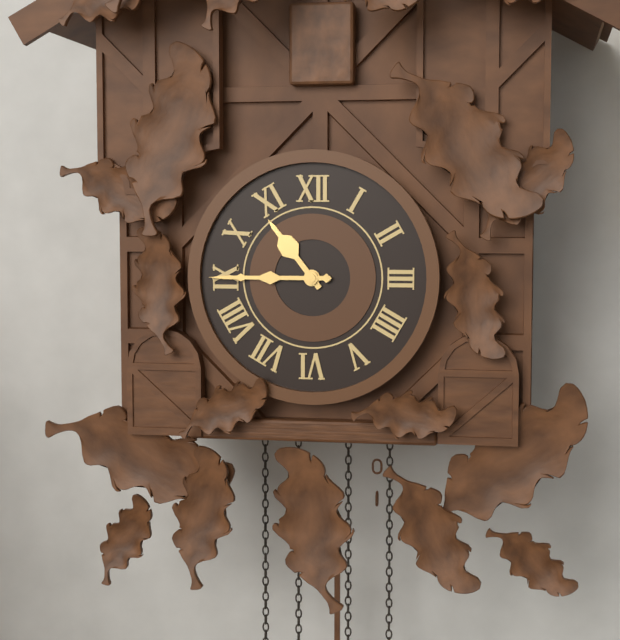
10:45
